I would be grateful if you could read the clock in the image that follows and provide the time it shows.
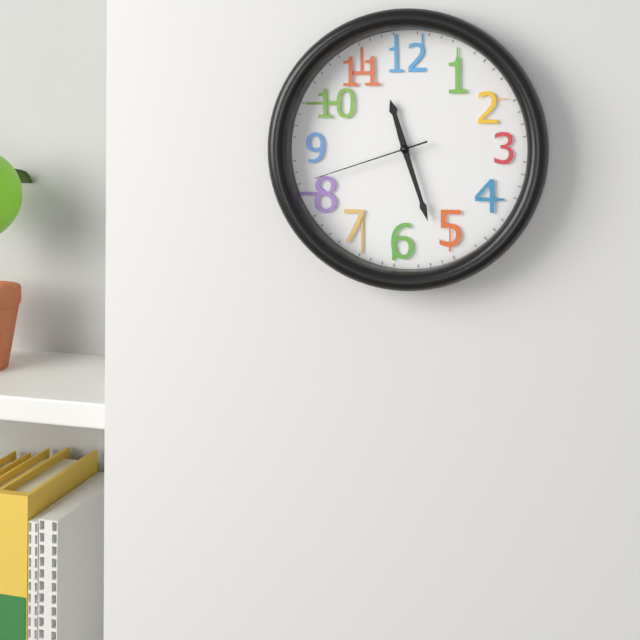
11:27:42
